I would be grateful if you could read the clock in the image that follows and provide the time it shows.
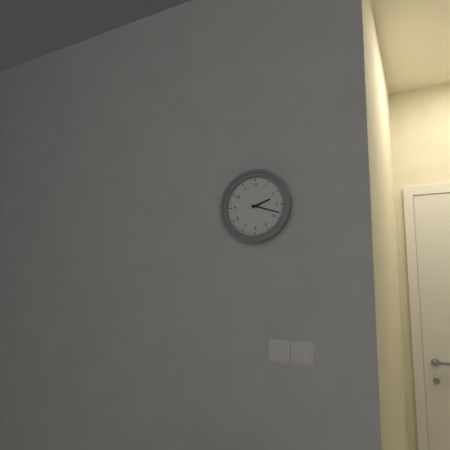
2:18
